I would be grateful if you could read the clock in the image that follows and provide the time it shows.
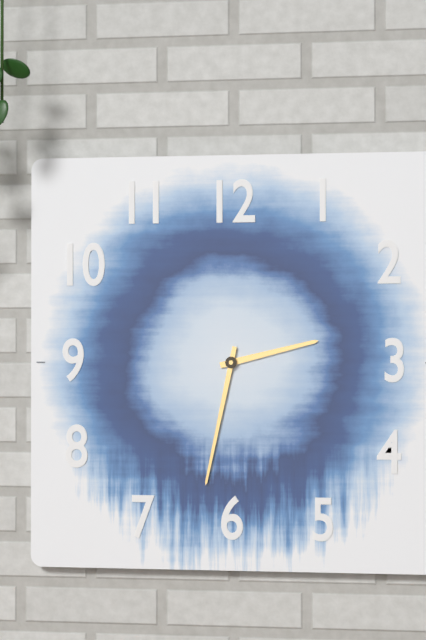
2:32
